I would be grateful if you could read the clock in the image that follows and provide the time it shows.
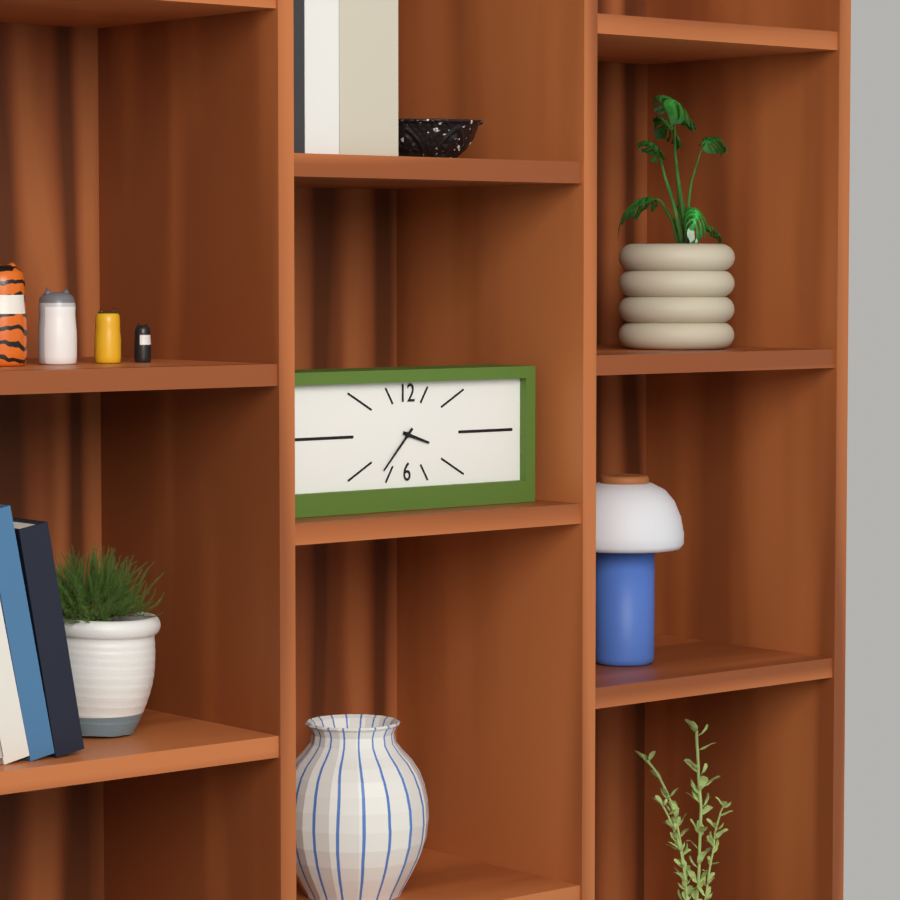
3:37
